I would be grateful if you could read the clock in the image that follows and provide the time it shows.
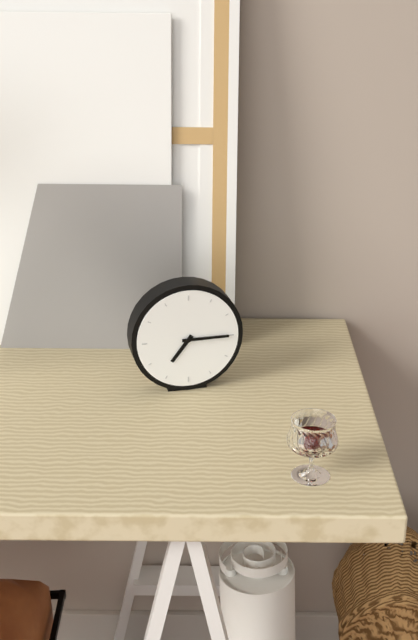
7:15
